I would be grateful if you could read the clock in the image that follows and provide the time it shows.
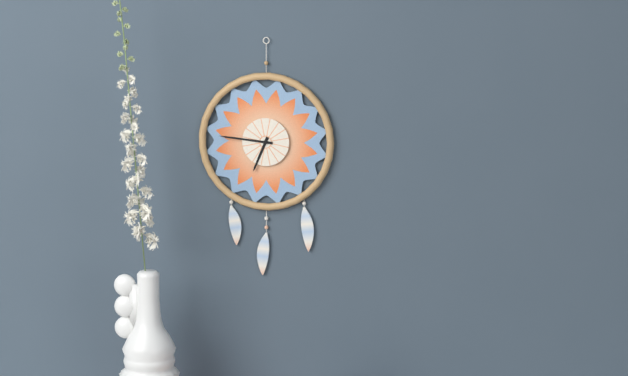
6:46
